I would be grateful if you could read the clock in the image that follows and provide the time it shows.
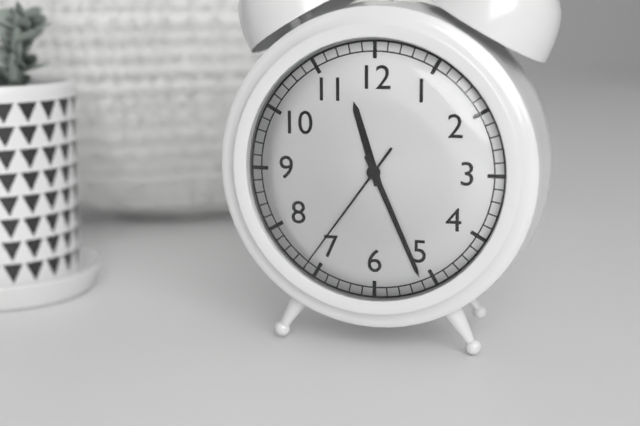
11:26:36
